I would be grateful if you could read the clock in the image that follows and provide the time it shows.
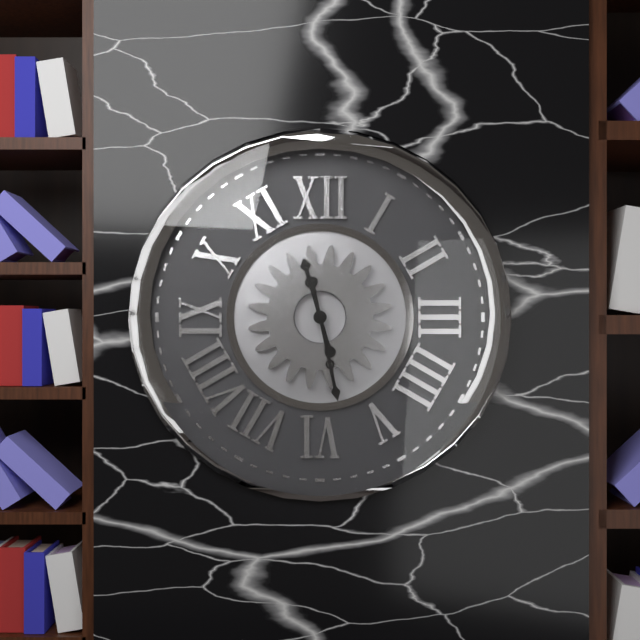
11:28
